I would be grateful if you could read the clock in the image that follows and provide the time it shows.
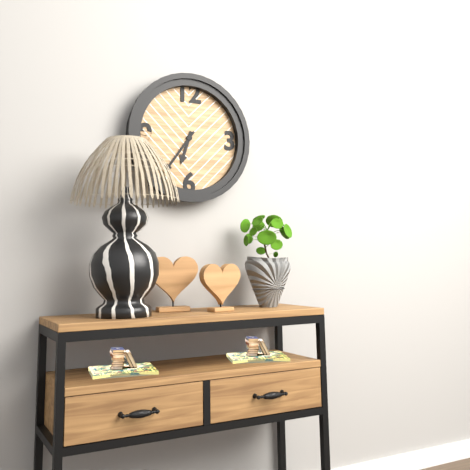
6:36
